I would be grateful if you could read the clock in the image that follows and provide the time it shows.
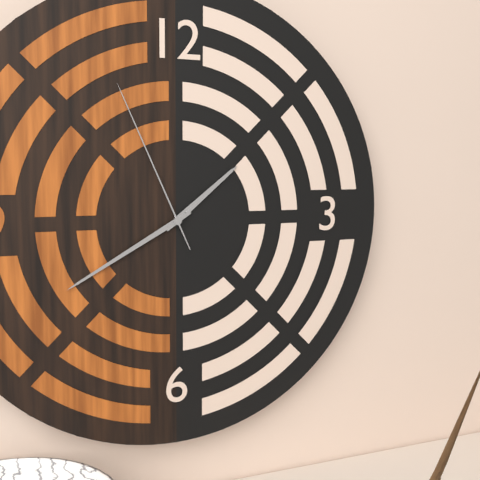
1:40:56
